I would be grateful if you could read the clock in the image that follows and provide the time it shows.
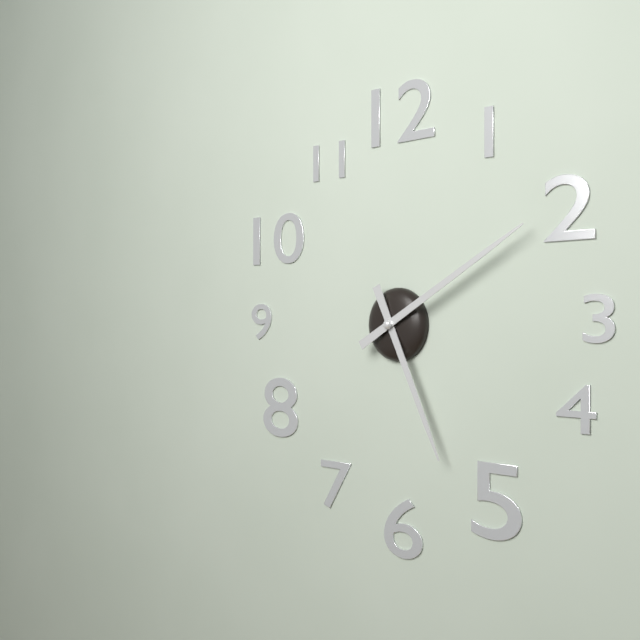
5:10
